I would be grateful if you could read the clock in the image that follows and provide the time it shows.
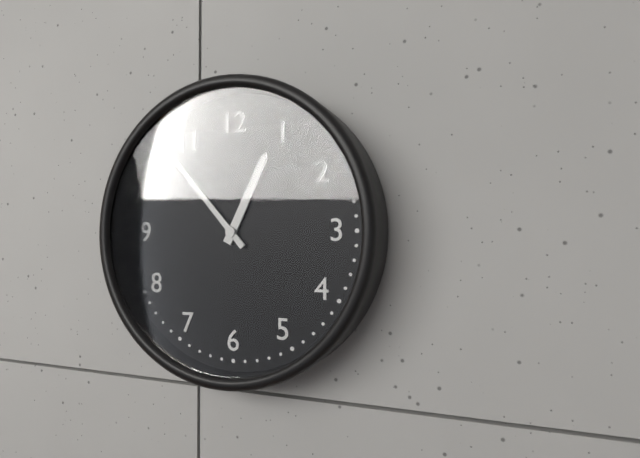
12:53
